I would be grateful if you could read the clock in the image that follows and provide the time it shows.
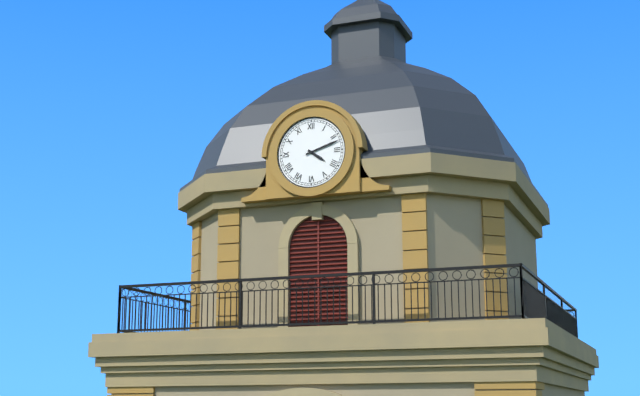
4:12
